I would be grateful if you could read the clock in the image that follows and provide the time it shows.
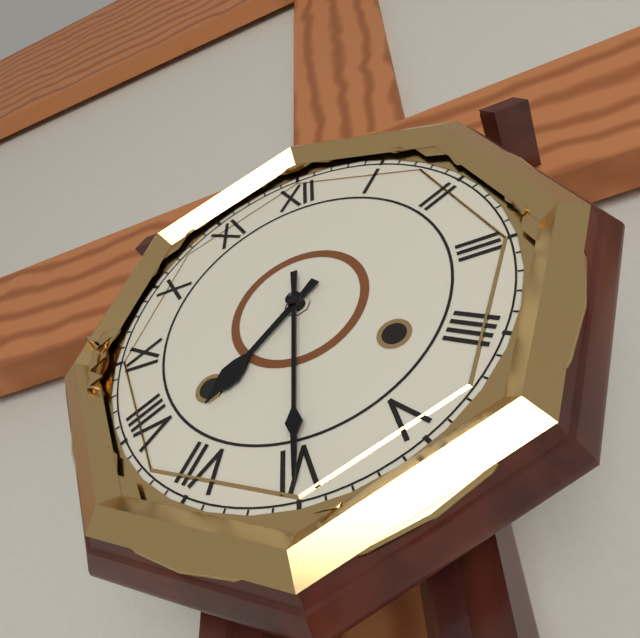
7:30
